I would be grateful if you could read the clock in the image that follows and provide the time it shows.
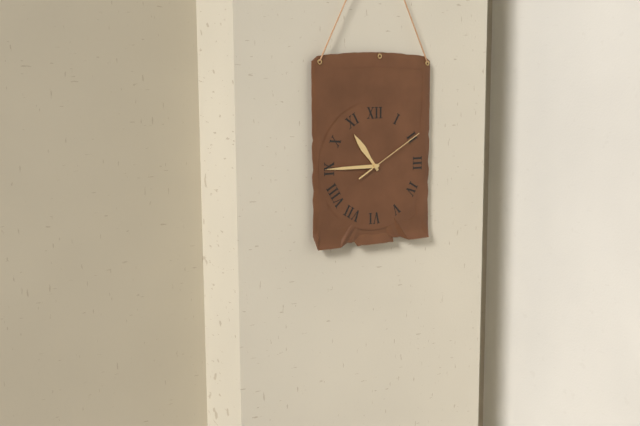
10:45:10
